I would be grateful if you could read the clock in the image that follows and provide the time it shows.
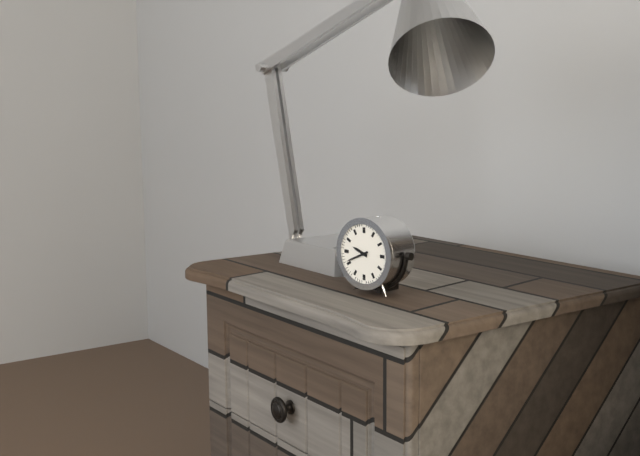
9:41
